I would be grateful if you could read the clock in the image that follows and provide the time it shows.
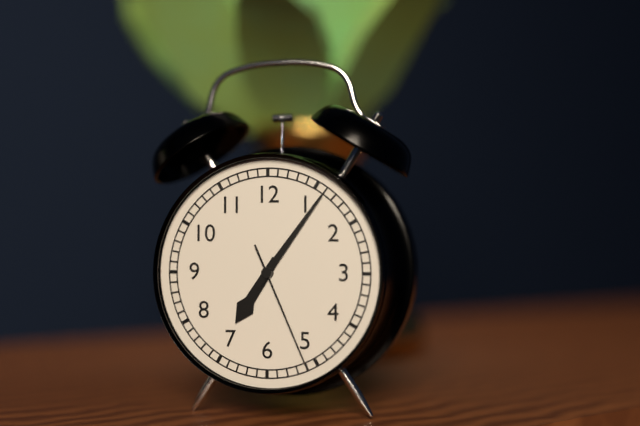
7:06:26
